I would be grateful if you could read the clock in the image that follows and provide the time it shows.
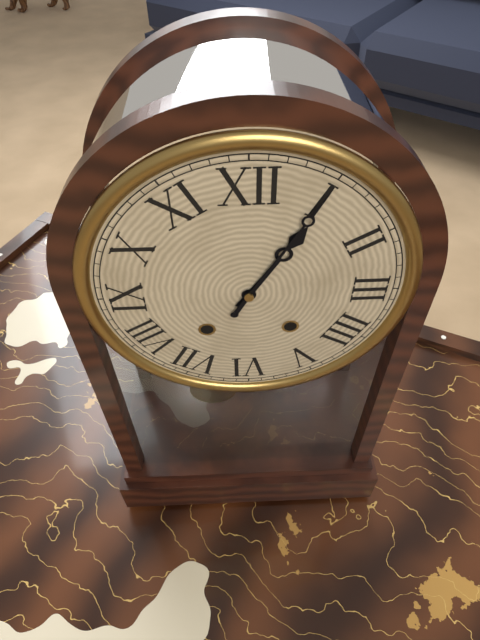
1:05
